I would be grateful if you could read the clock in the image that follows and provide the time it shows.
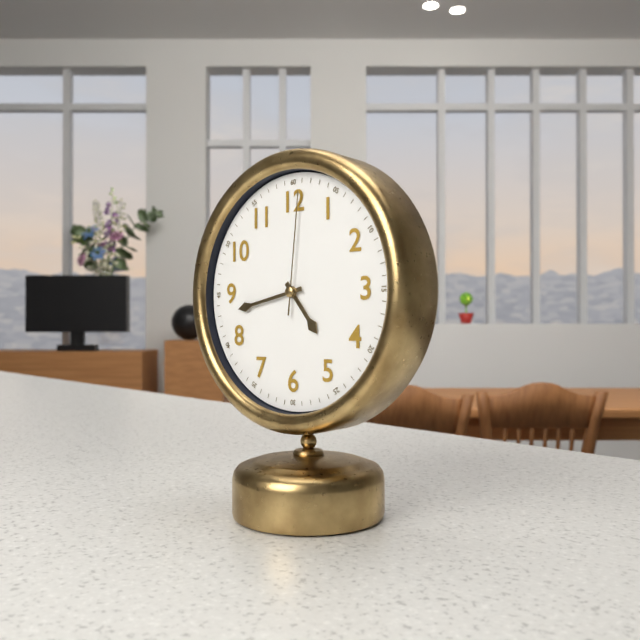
4:43:01
